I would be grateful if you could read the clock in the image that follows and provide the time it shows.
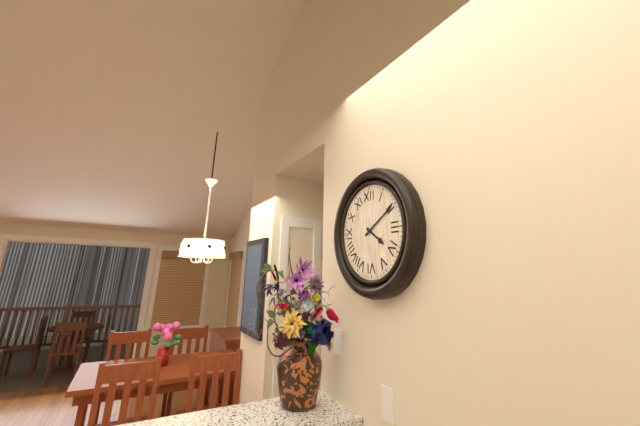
4:10
